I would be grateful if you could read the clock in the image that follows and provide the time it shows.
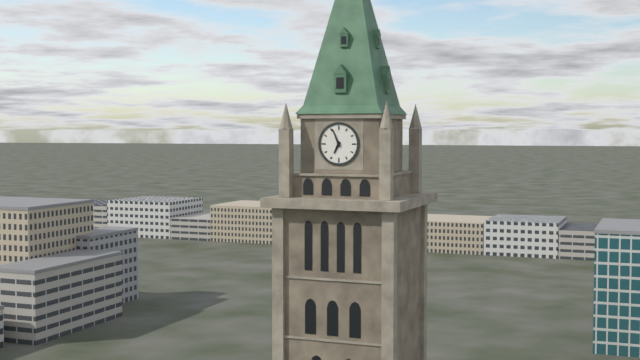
6:56
